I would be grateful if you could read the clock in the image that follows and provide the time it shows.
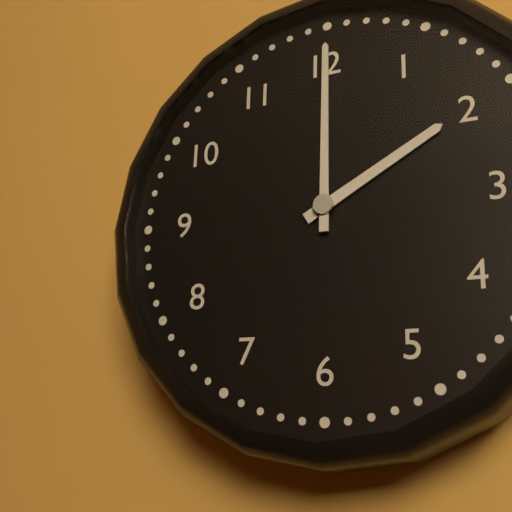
2:00
